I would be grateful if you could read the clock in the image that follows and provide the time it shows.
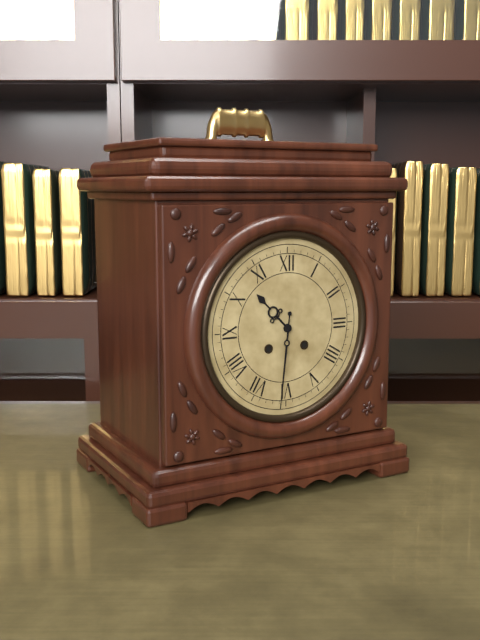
10:31
